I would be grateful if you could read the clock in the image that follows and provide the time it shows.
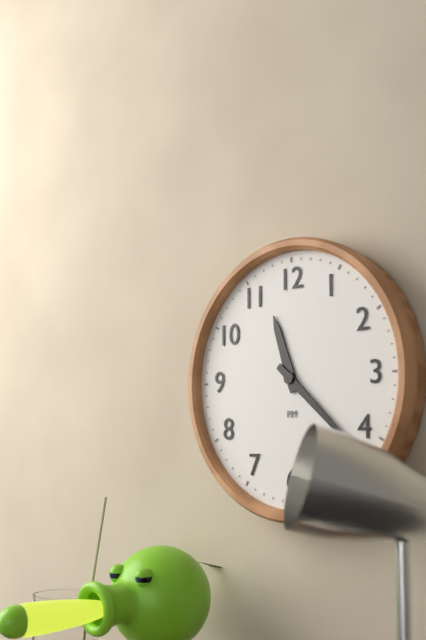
11:22
